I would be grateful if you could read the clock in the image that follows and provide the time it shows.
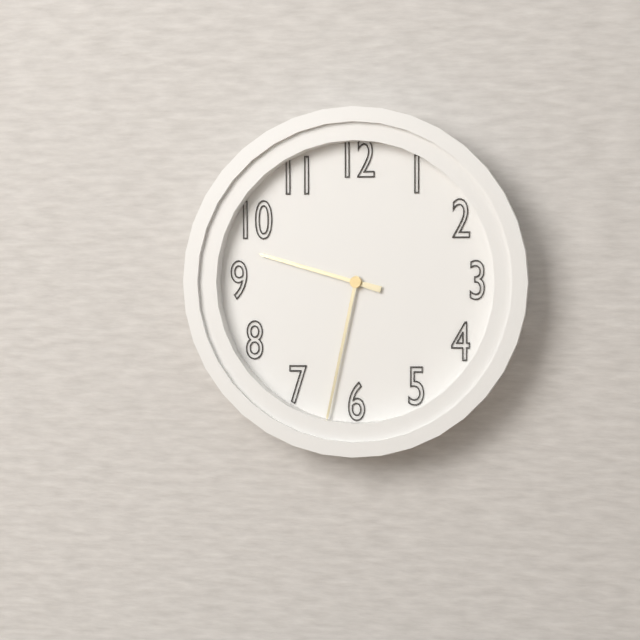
9:32
